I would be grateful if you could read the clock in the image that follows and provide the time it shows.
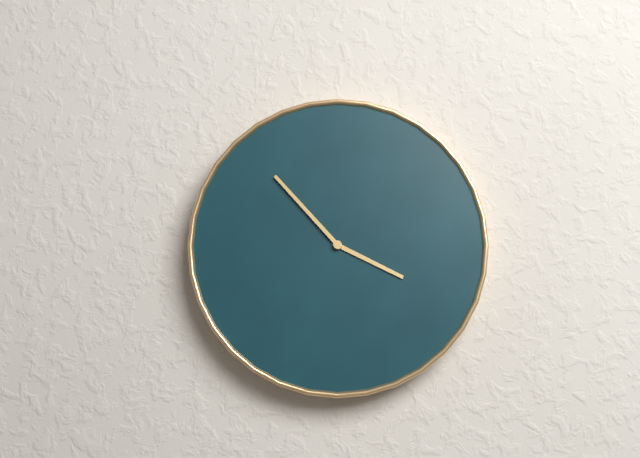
3:53
